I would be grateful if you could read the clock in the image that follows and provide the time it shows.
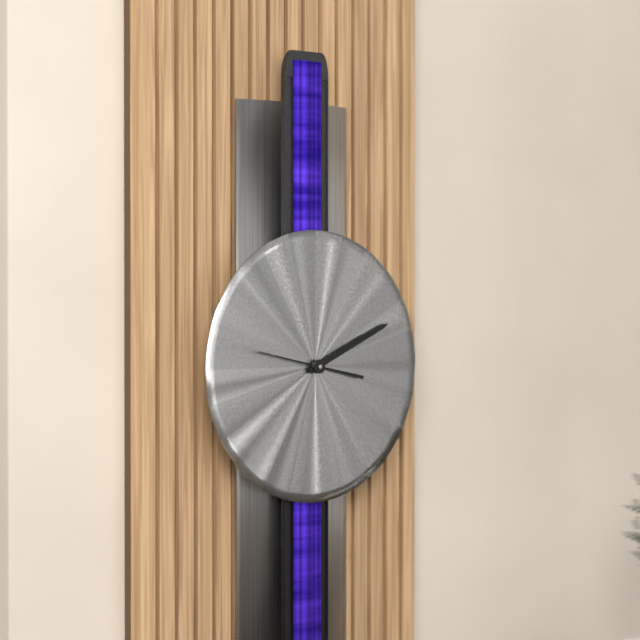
2:11:47
